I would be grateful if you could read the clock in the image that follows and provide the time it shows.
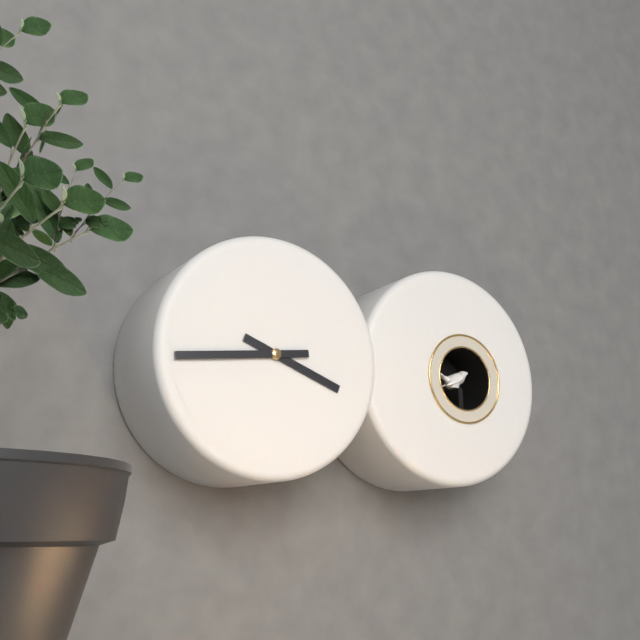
3:44
